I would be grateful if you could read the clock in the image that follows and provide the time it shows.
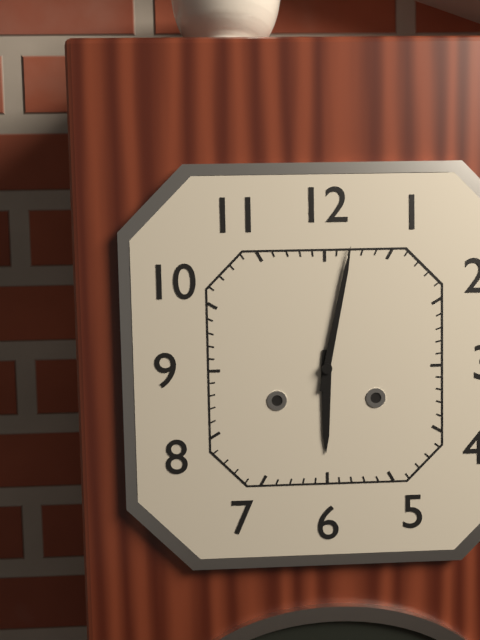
6:02
